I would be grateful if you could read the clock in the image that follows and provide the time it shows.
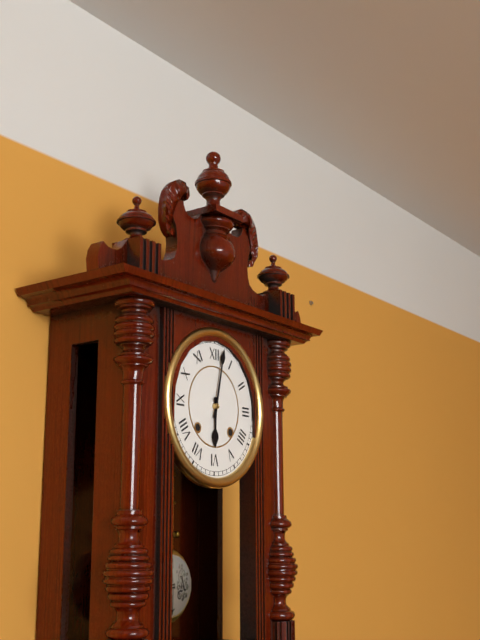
6:02
